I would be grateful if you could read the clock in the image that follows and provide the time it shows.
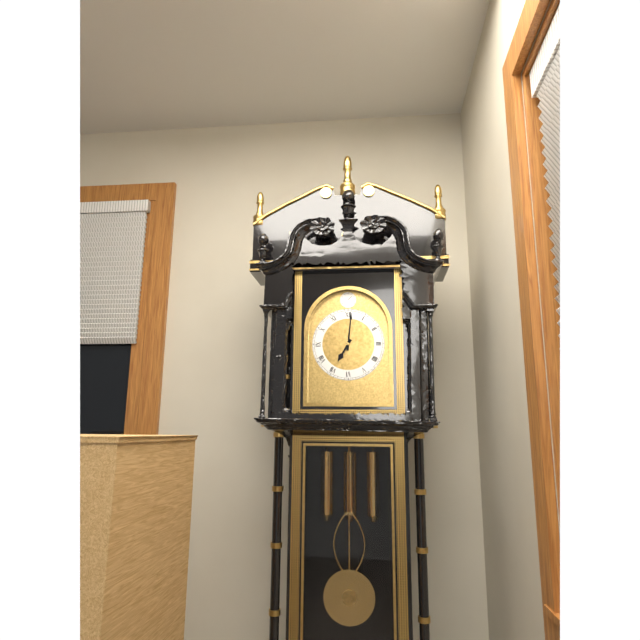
7:01
